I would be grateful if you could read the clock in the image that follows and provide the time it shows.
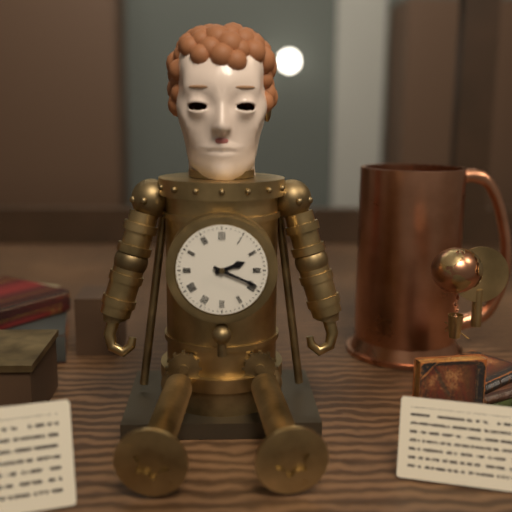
2:19
